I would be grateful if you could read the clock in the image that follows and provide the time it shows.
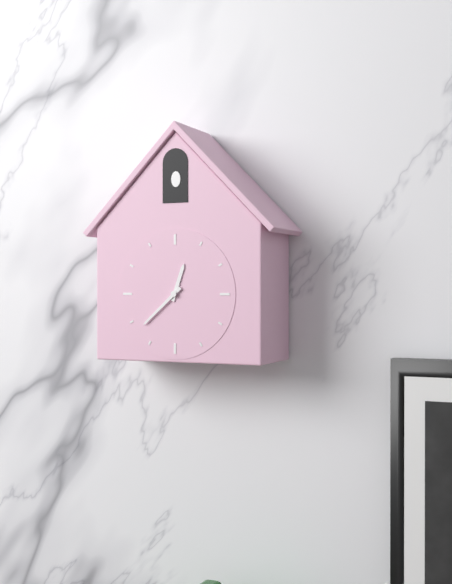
12:38
